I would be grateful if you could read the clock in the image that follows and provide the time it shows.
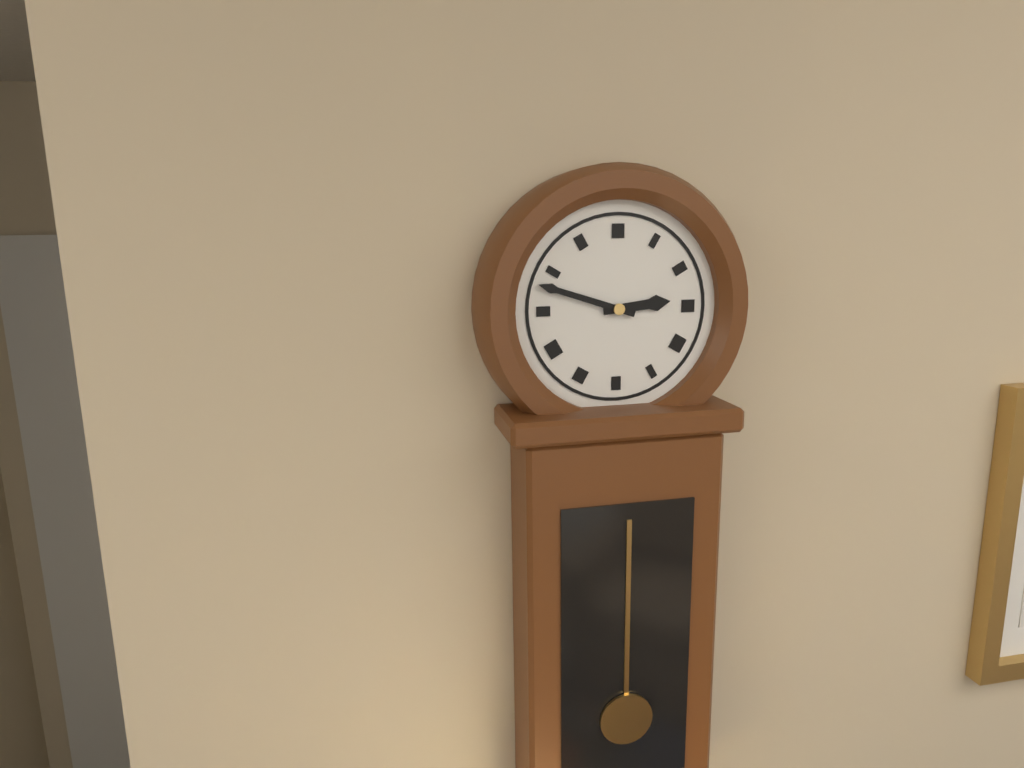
2:48
